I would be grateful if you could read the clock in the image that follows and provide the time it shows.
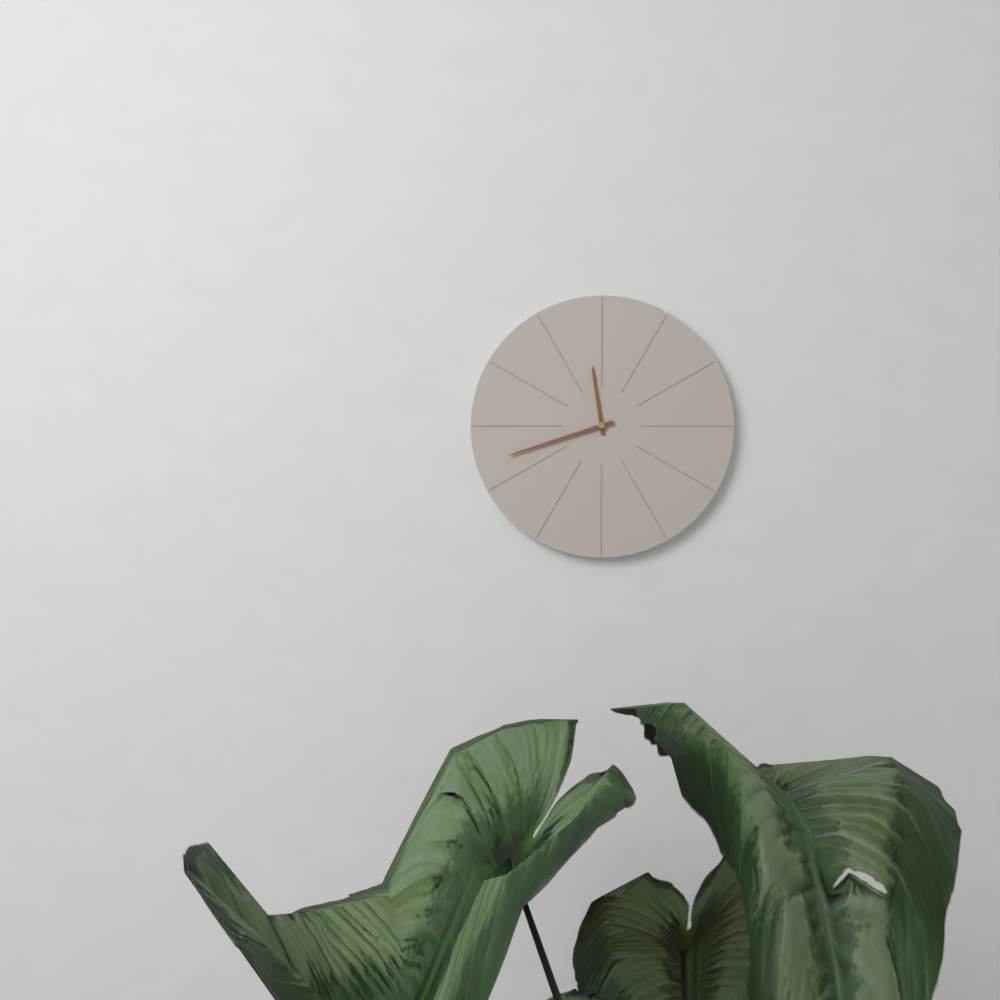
11:42
